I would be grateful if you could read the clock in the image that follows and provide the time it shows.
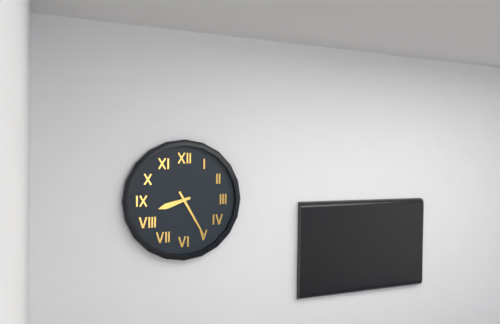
8:25
